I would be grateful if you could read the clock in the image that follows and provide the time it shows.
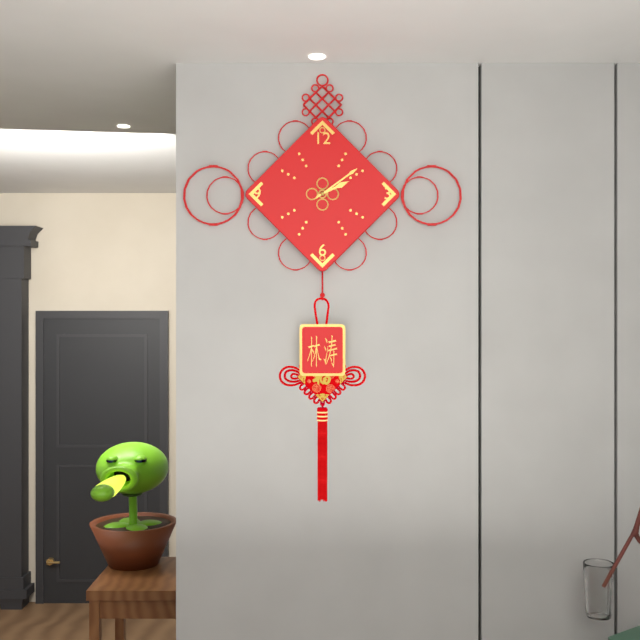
2:09
